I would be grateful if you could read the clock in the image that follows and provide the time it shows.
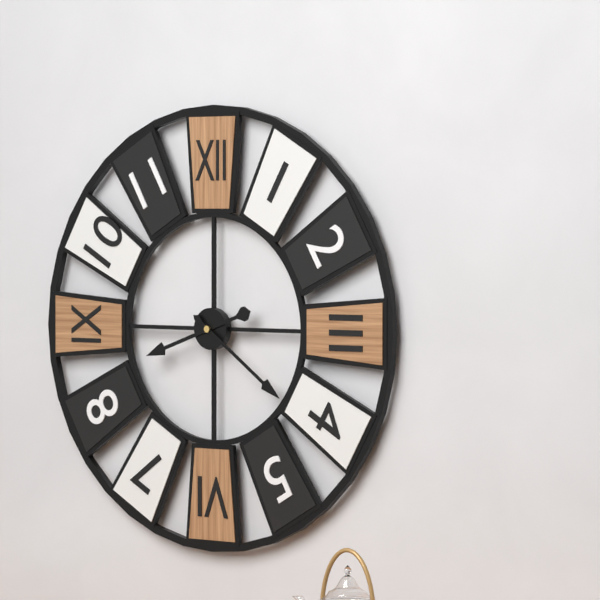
8:21
